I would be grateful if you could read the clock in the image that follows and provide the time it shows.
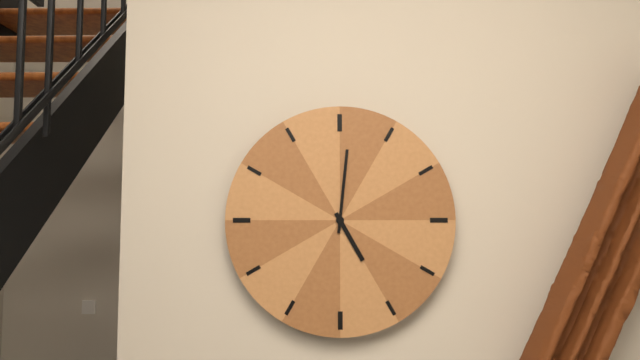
5:01
